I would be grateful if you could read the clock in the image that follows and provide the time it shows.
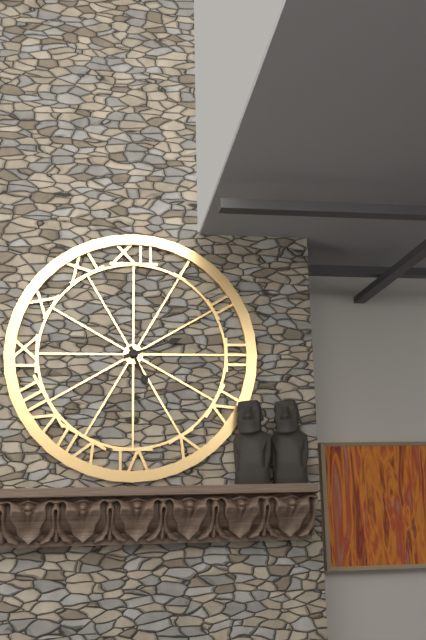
5:12
